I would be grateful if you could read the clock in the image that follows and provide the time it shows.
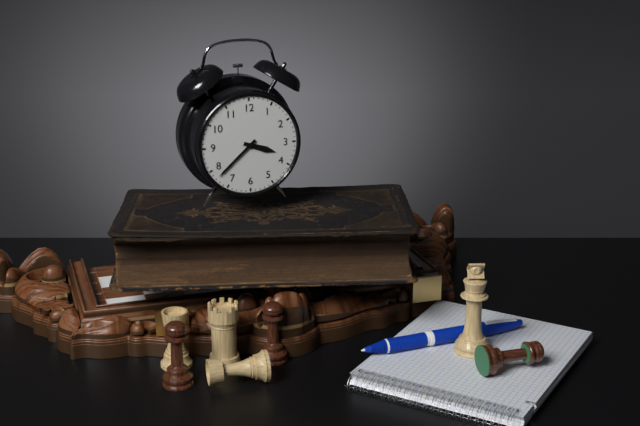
3:38
